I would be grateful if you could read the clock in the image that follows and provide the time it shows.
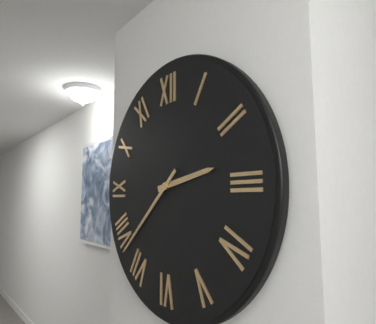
2:38
